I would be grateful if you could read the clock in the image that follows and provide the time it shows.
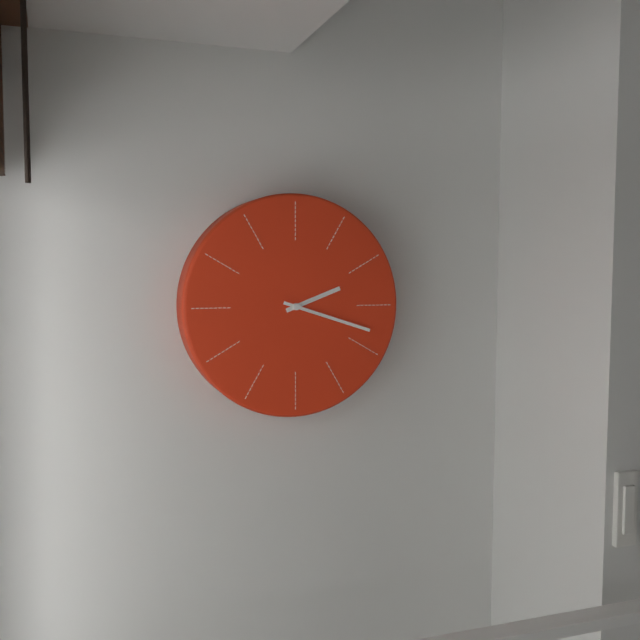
2:18
